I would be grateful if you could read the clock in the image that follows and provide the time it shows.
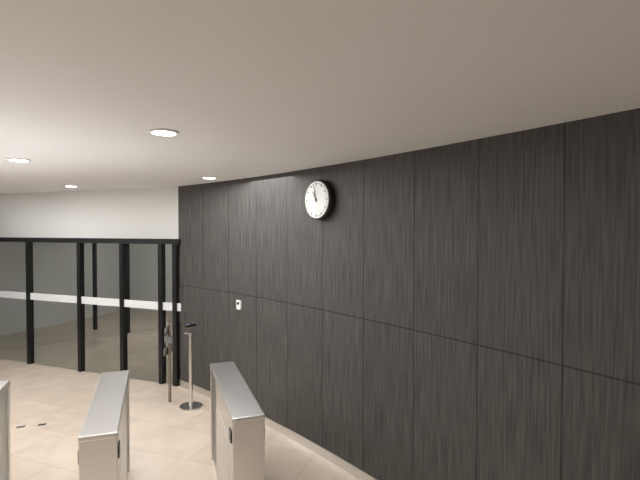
10:58
